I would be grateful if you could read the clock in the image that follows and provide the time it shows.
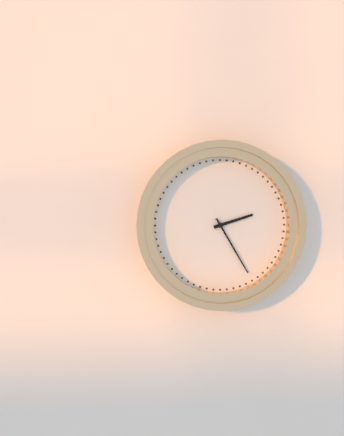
2:25
